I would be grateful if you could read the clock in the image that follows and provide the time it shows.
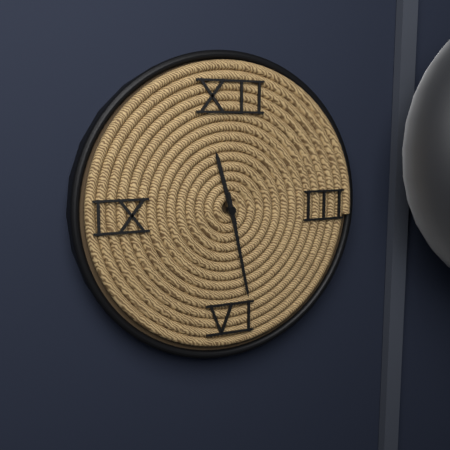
11:28
